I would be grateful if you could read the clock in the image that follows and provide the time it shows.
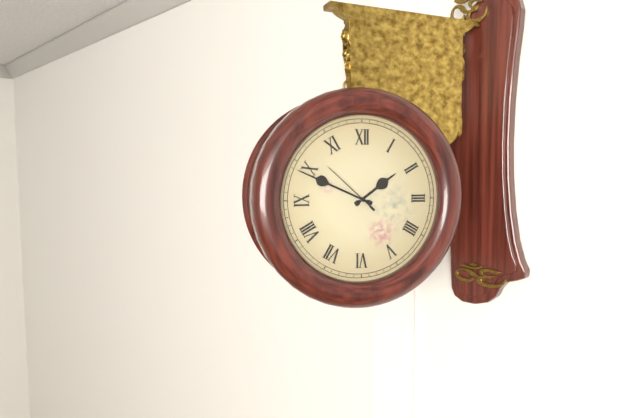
1:49
